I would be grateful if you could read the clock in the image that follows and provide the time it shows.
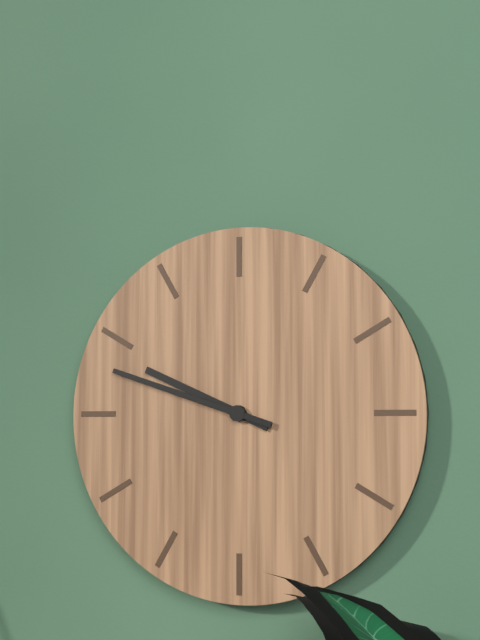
9:48
